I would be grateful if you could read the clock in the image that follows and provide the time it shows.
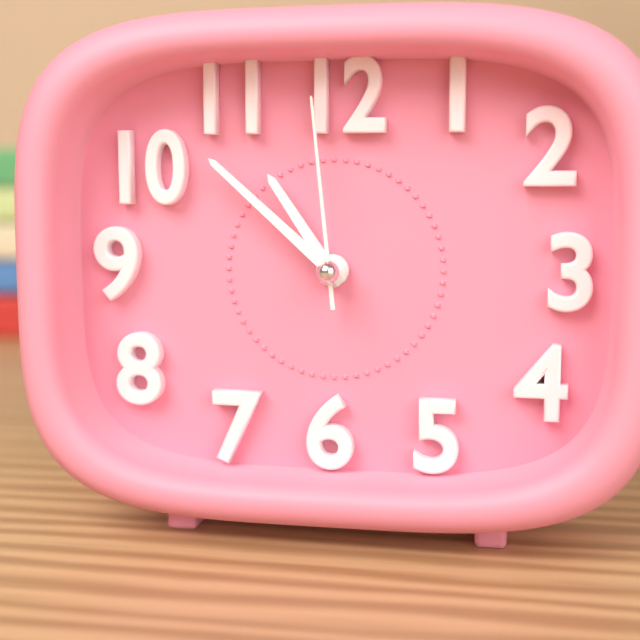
10:52:59
